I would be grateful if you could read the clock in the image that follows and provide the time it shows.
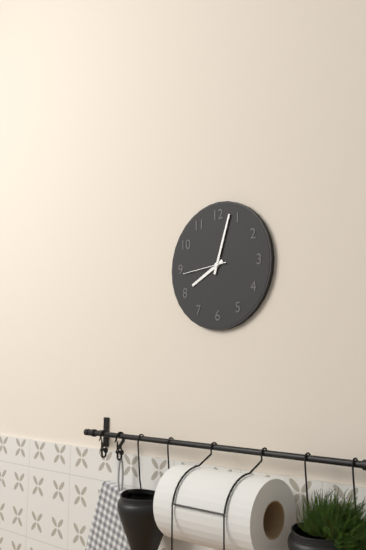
8:03
